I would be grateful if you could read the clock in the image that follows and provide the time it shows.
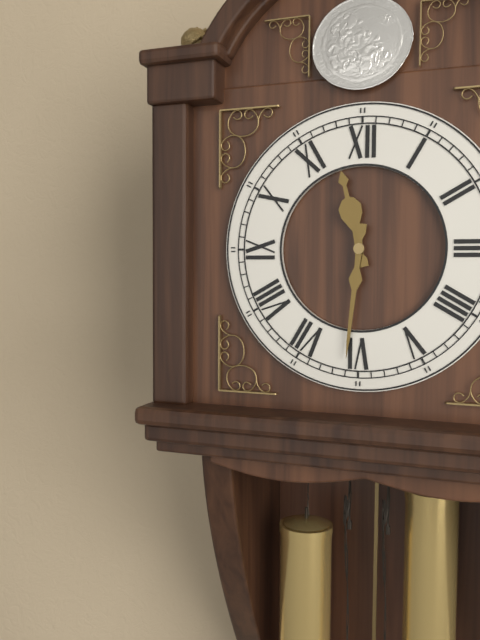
11:31
